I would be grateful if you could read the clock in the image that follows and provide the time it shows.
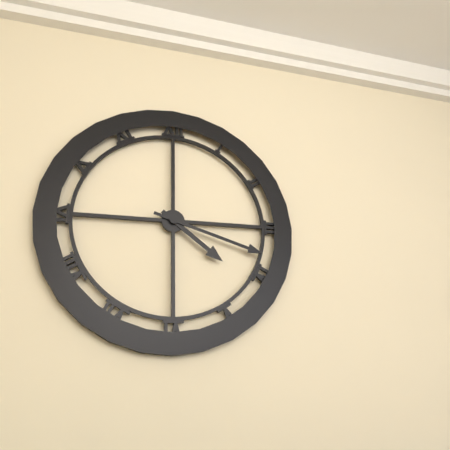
4:18
